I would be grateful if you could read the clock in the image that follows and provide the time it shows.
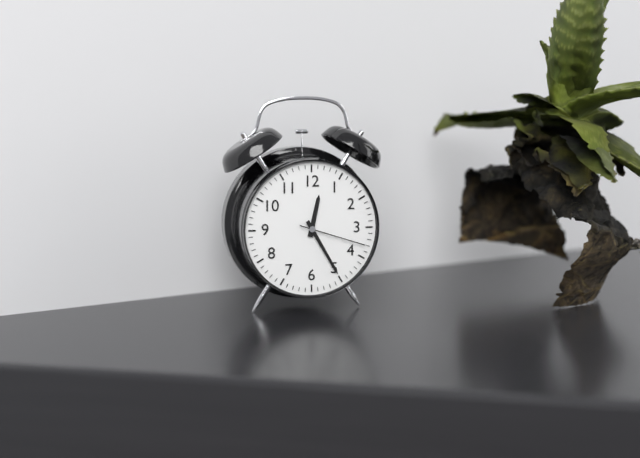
12:25:18
